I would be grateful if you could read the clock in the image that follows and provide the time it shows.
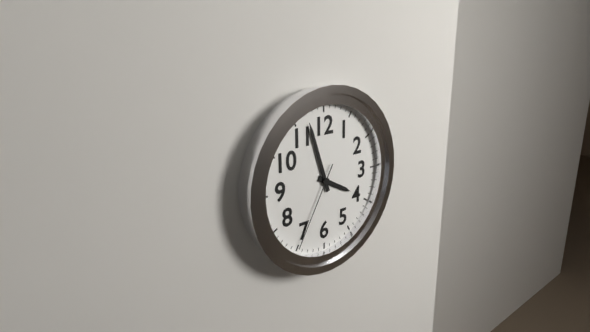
3:57:35
